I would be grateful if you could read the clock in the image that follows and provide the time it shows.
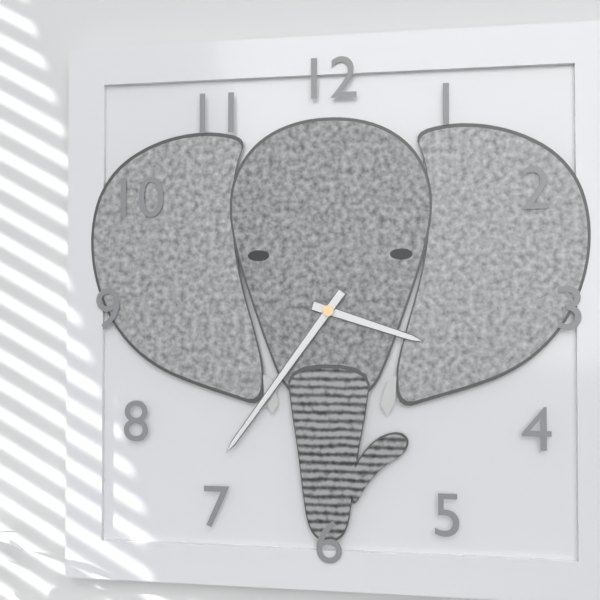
3:36
